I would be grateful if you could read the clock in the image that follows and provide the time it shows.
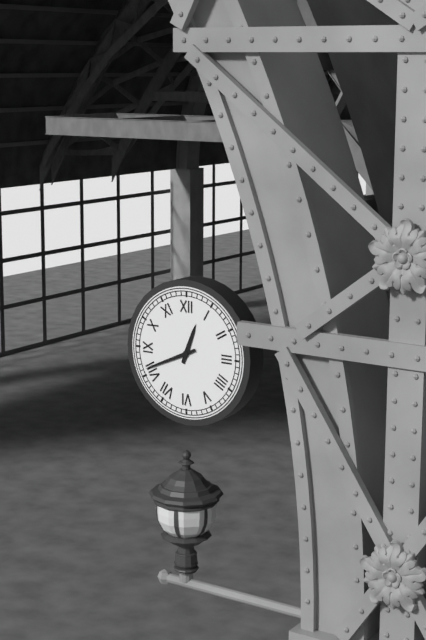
12:41
